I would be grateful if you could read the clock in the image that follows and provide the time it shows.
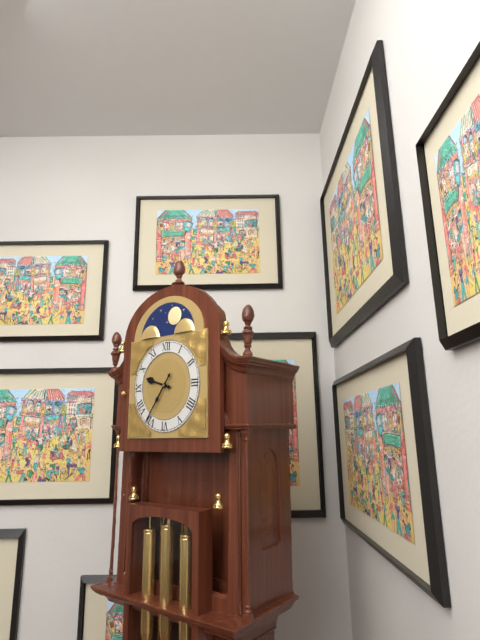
9:36
